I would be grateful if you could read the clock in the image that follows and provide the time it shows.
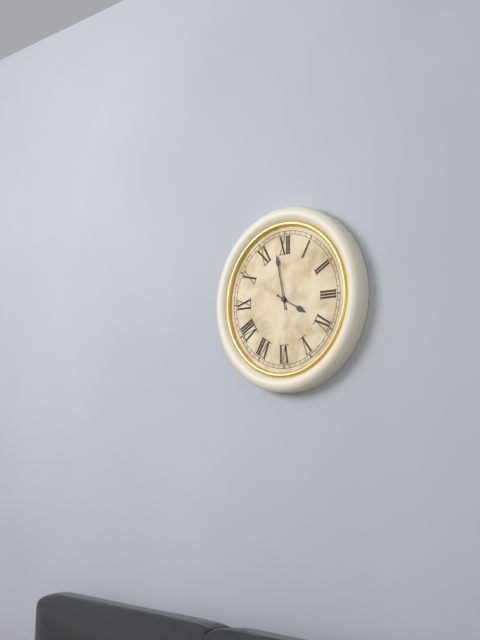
3:58
